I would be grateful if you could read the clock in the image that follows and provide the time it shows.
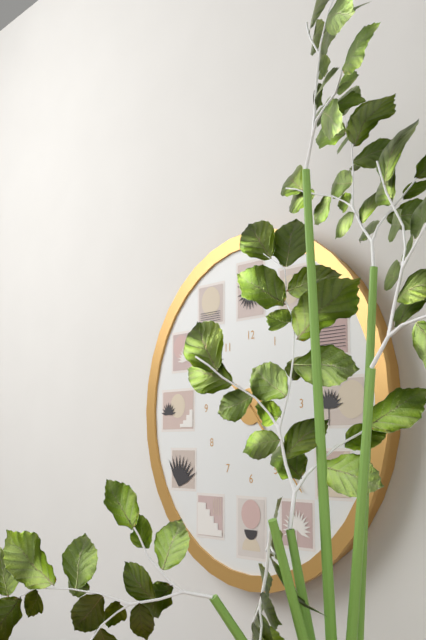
10:23
